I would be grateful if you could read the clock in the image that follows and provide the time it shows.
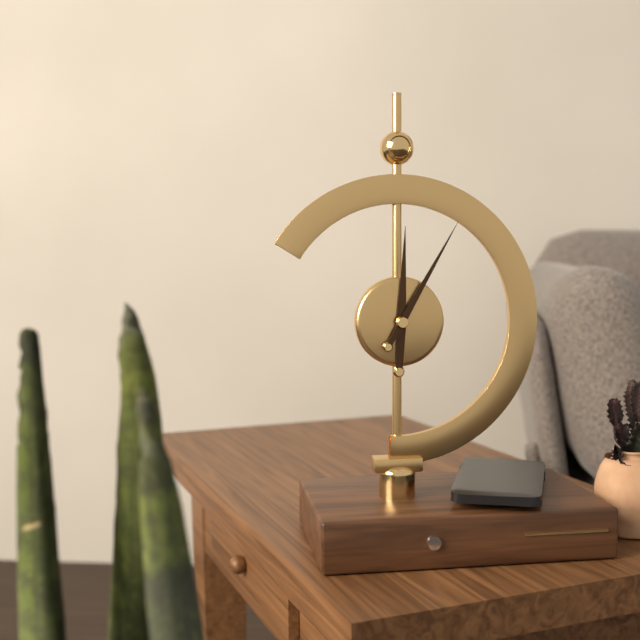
12:05
